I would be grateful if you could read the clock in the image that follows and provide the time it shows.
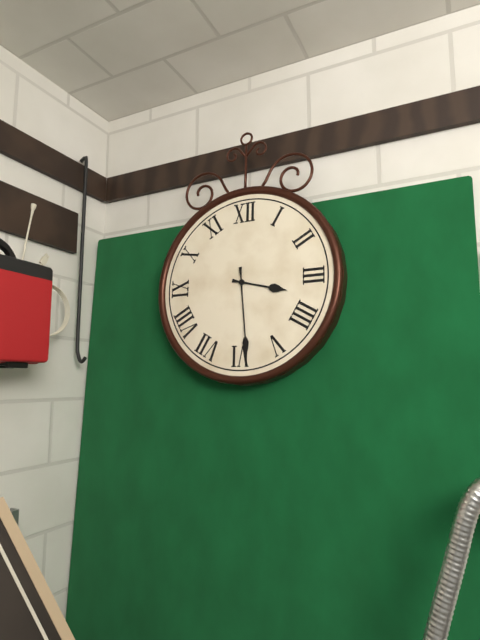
3:29
